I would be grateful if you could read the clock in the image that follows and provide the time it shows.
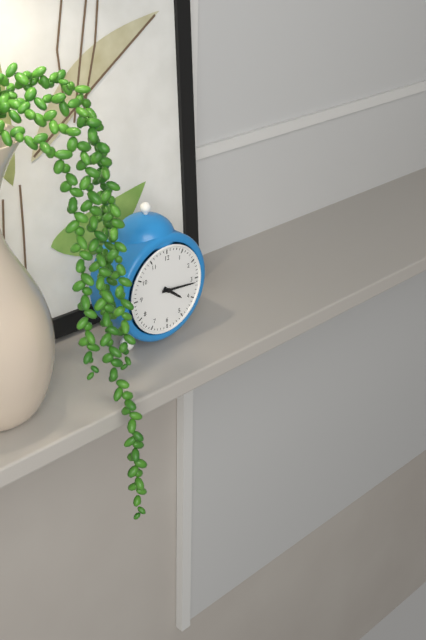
4:16
